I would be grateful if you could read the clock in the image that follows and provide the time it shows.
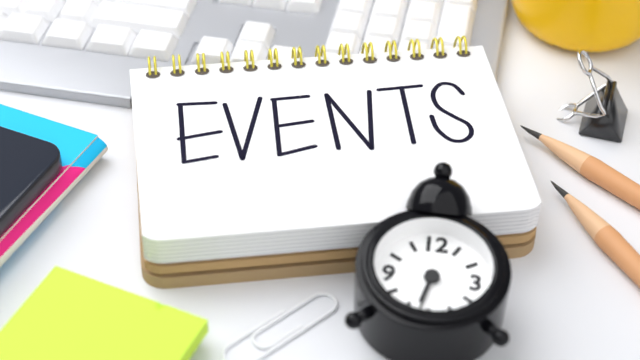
6:32
